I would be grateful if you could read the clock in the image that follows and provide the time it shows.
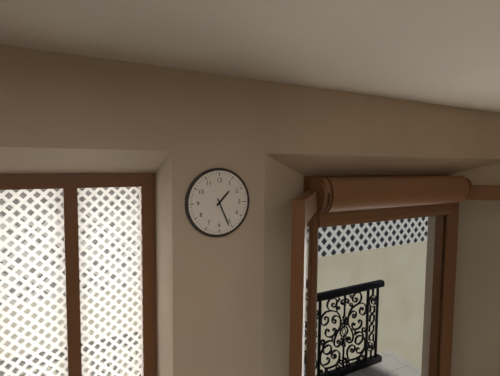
1:26
